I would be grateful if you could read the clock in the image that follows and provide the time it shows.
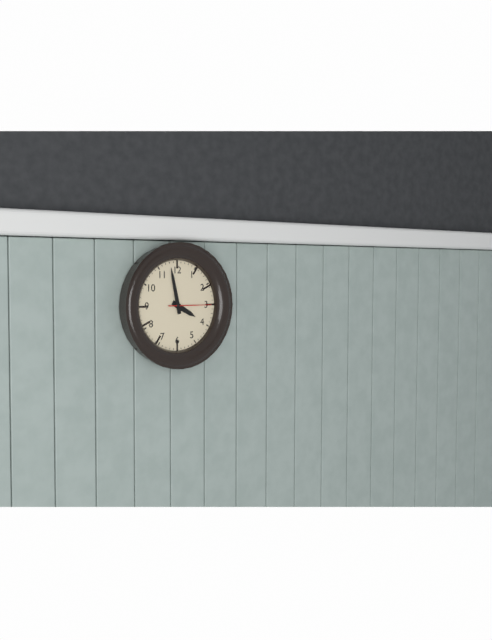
3:58
